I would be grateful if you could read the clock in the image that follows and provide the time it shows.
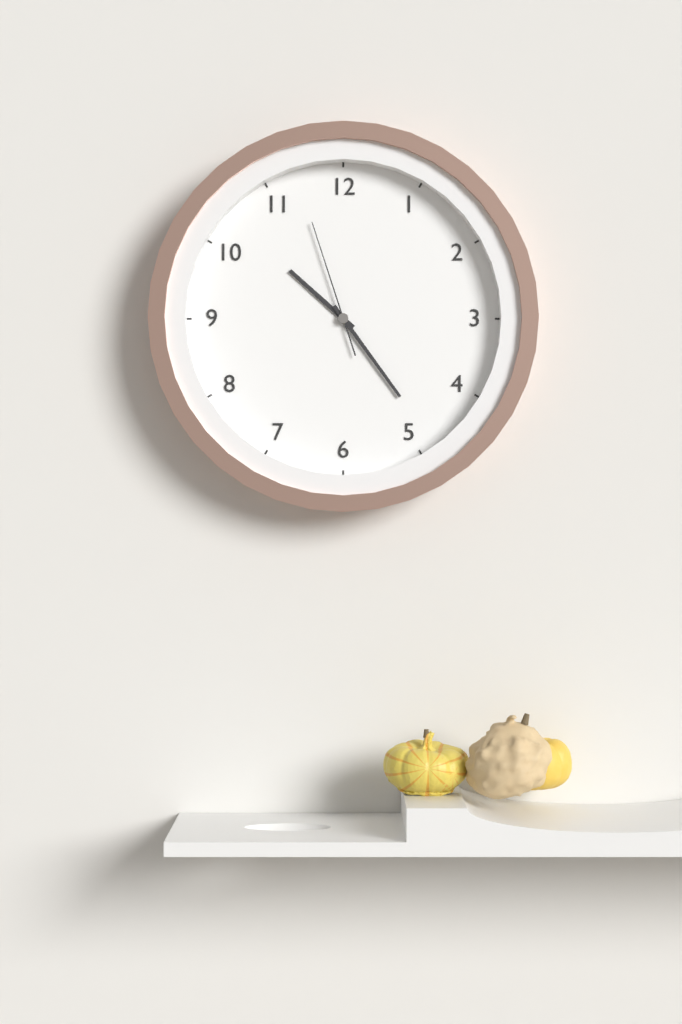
10:24:57
